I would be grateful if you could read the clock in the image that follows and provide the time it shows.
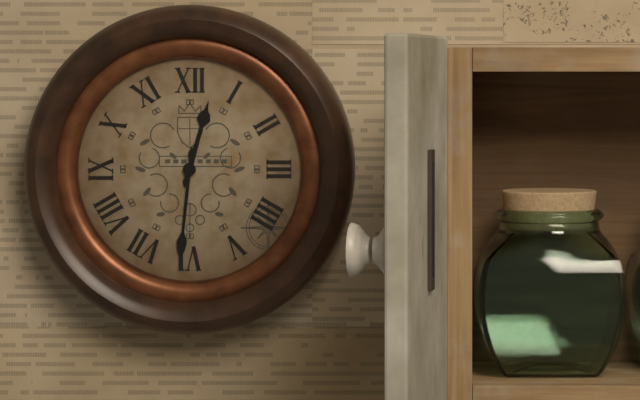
12:31
